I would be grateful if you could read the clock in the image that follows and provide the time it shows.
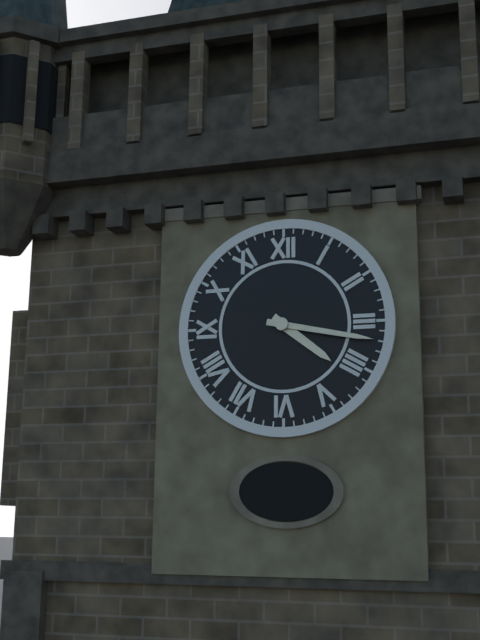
4:17
